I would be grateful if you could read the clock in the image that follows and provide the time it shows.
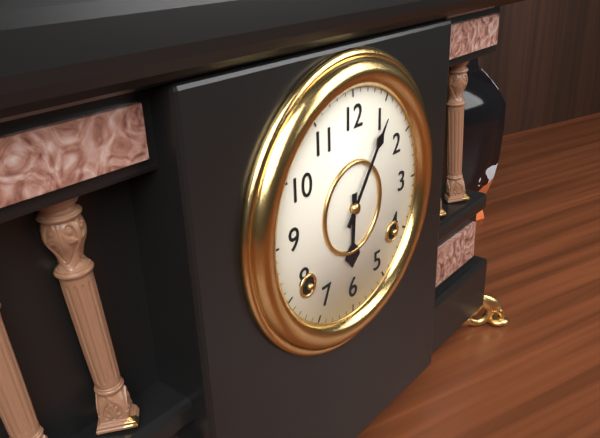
6:06
